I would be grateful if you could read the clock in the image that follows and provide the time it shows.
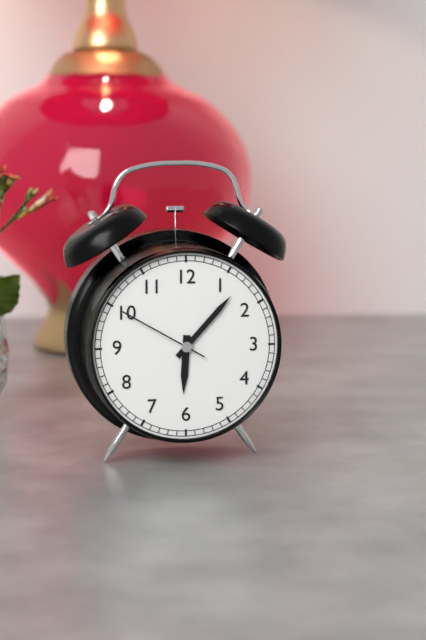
6:07:50
